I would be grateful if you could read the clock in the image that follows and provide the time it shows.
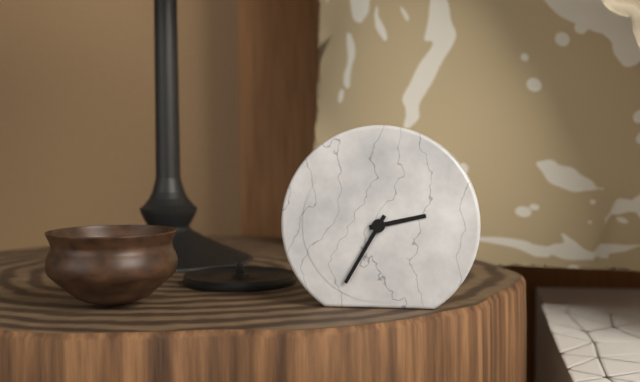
2:35
